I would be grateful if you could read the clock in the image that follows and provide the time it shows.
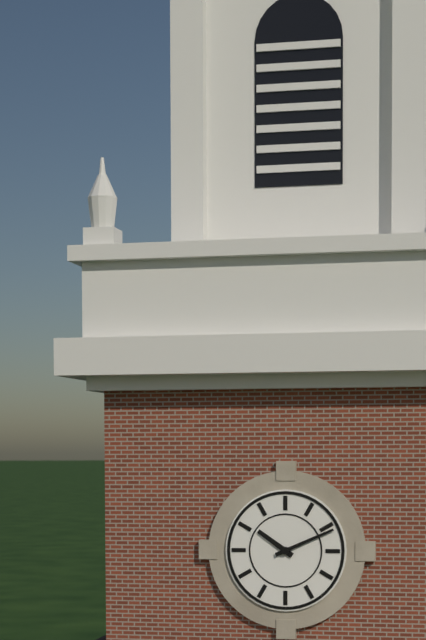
10:11
